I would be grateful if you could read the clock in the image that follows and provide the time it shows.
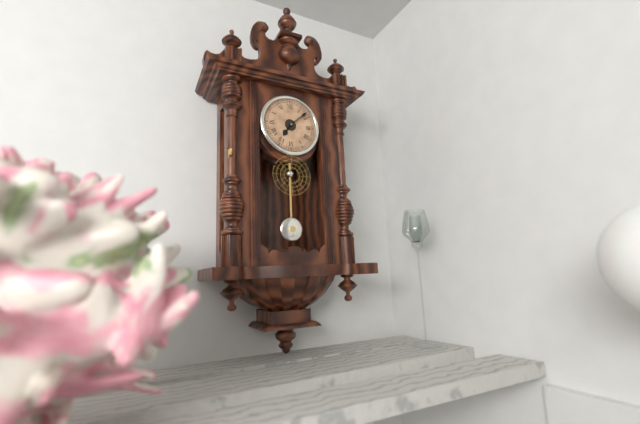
7:08
